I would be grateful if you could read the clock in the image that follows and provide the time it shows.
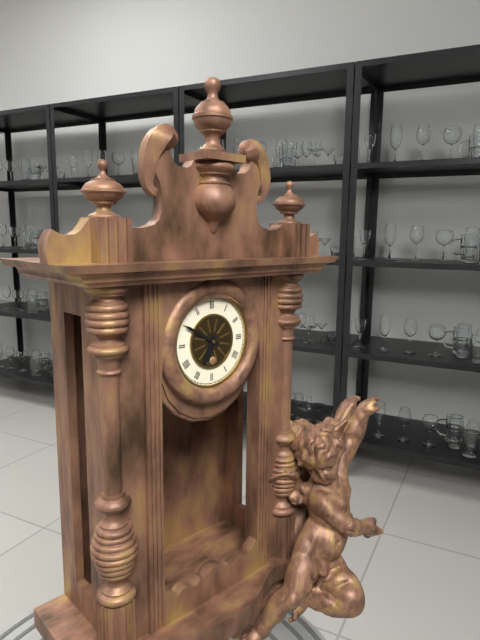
6:50
